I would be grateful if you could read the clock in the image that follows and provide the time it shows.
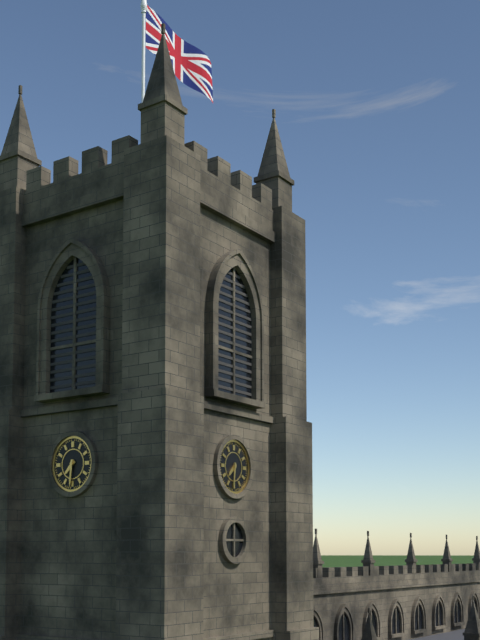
7:31
